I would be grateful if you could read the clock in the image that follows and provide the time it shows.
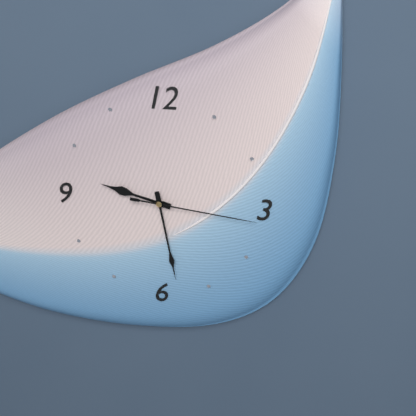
9:28:16
